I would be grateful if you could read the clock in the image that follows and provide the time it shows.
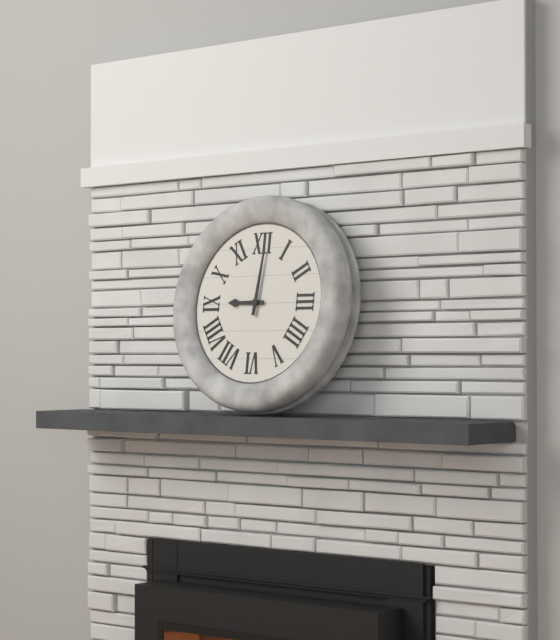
9:01
